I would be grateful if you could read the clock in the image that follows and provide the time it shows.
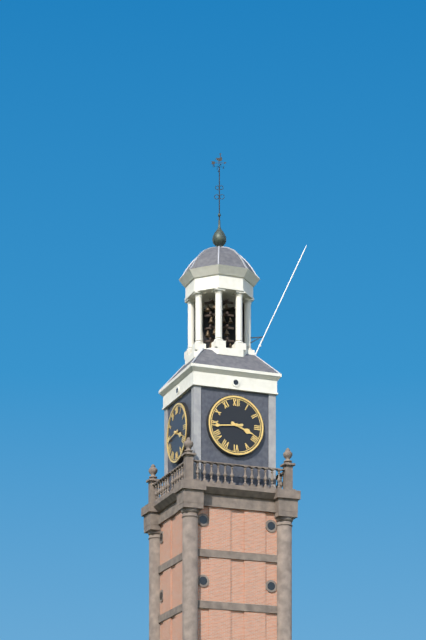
3:44
